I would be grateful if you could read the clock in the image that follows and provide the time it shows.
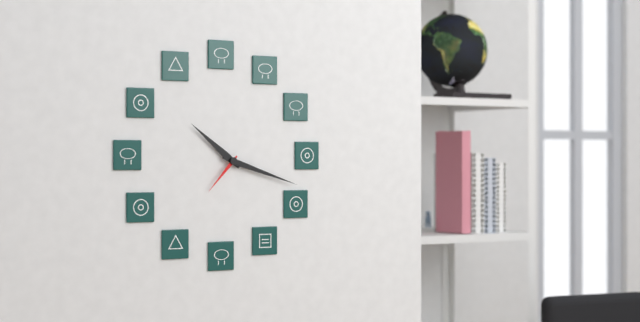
10:18
